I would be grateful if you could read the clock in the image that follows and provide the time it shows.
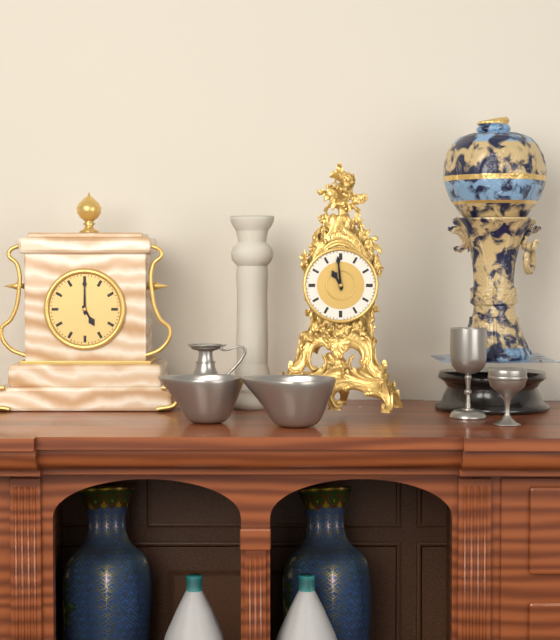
10:59
